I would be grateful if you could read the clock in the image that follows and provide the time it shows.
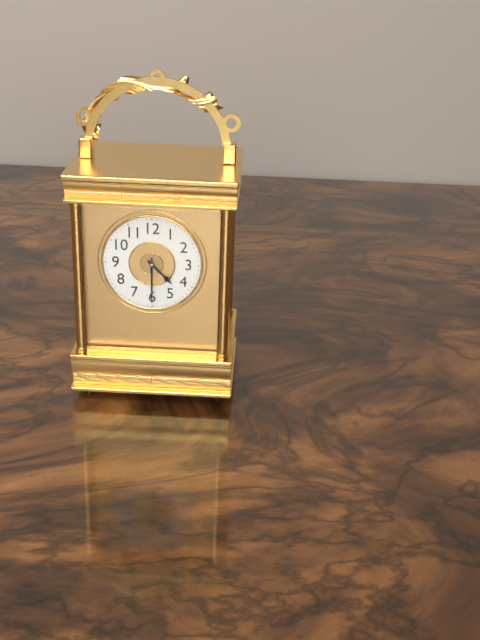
4:30
